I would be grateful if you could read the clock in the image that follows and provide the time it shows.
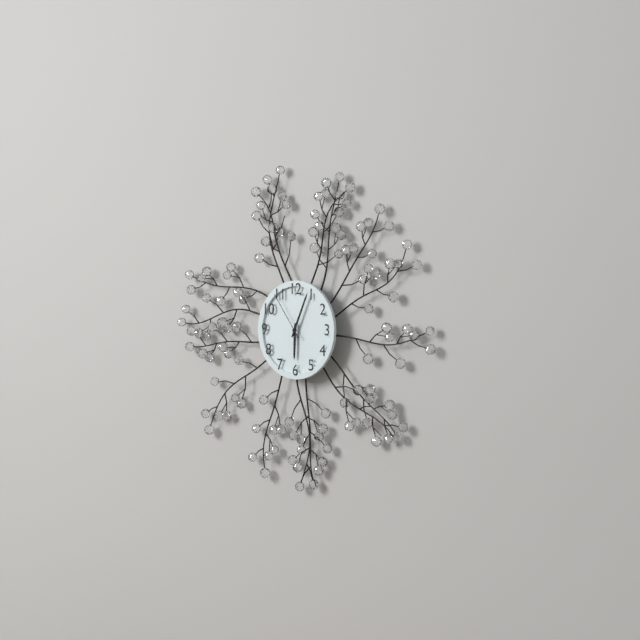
6:04:54
